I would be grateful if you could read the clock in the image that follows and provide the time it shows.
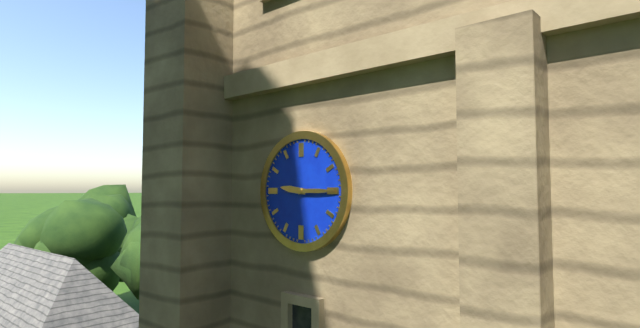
9:15
